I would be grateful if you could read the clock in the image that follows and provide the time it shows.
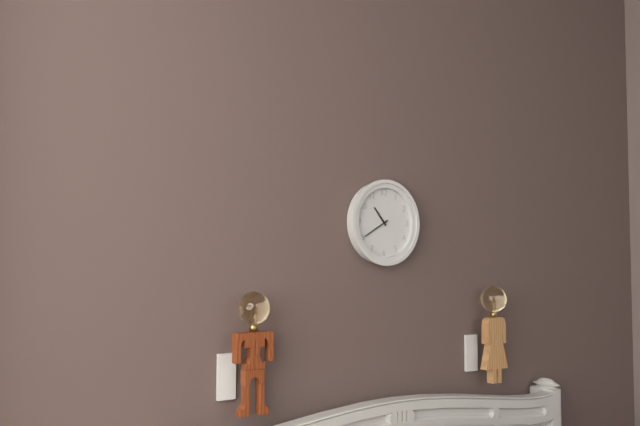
10:40
